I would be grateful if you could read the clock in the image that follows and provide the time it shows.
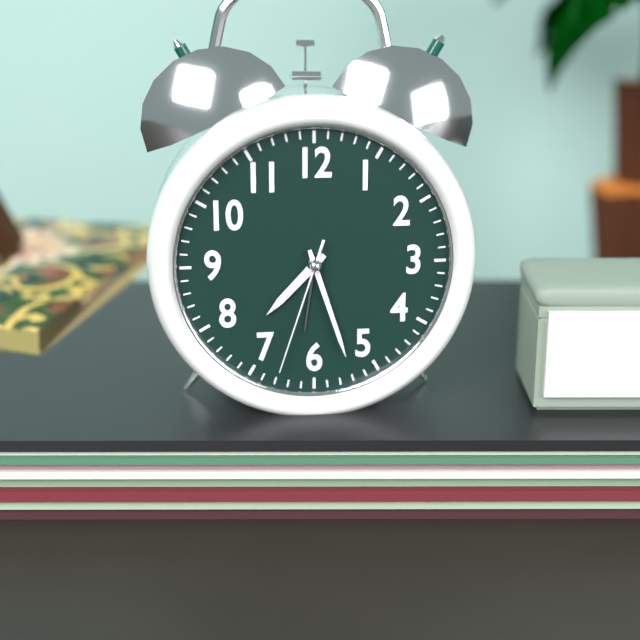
7:27:33
